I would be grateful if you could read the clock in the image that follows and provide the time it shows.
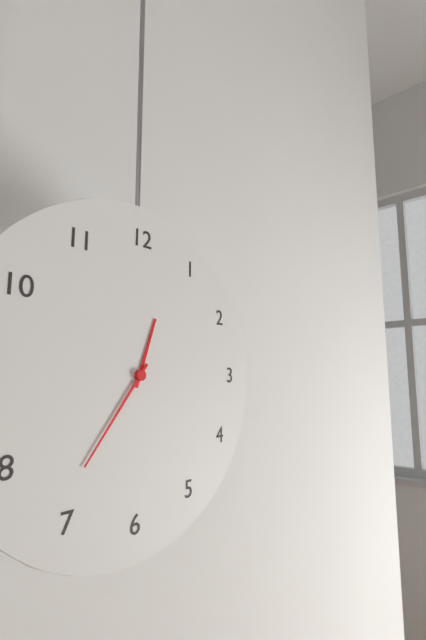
12:36
